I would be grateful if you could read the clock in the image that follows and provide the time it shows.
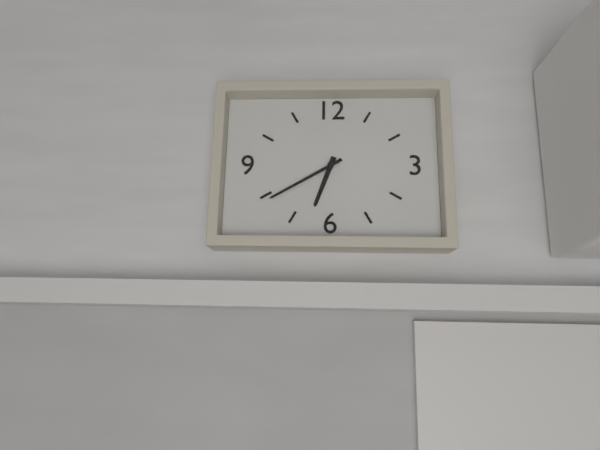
6:40
